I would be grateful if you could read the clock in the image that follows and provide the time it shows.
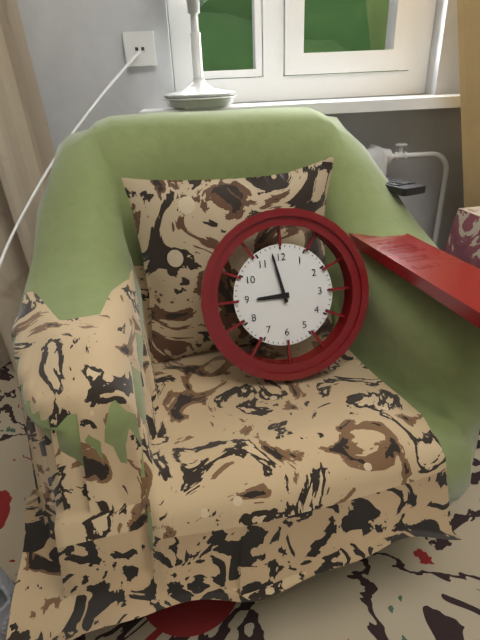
8:58
